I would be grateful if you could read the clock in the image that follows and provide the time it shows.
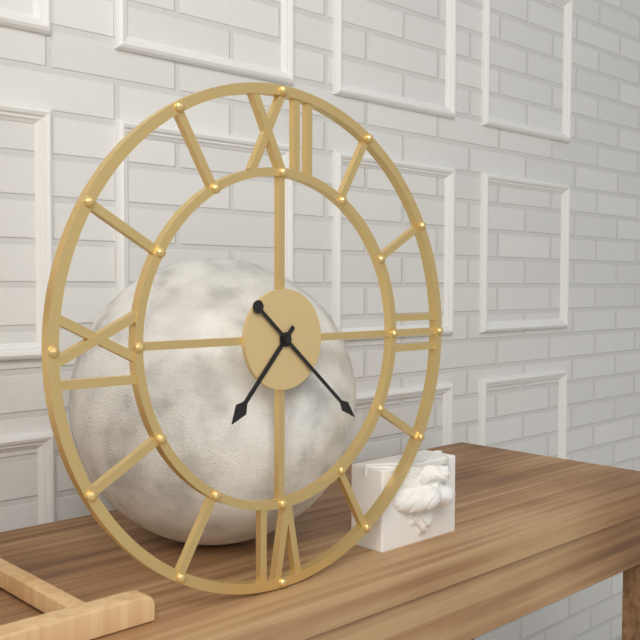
7:22
